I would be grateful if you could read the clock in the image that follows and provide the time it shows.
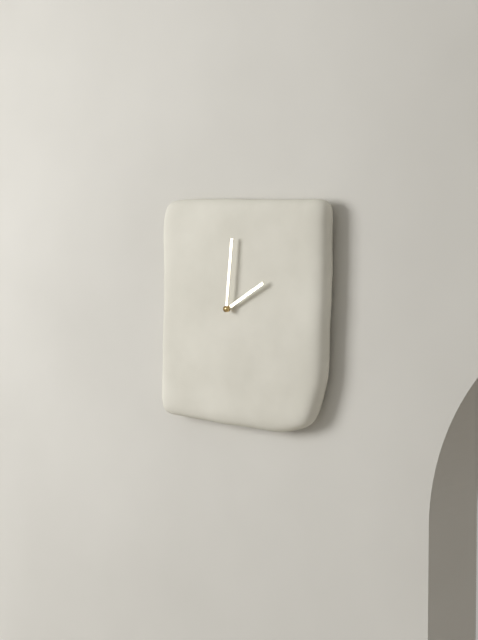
2:01
